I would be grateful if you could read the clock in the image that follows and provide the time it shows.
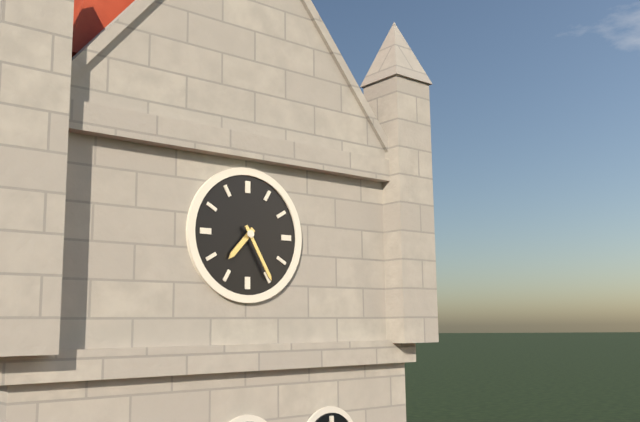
7:25
